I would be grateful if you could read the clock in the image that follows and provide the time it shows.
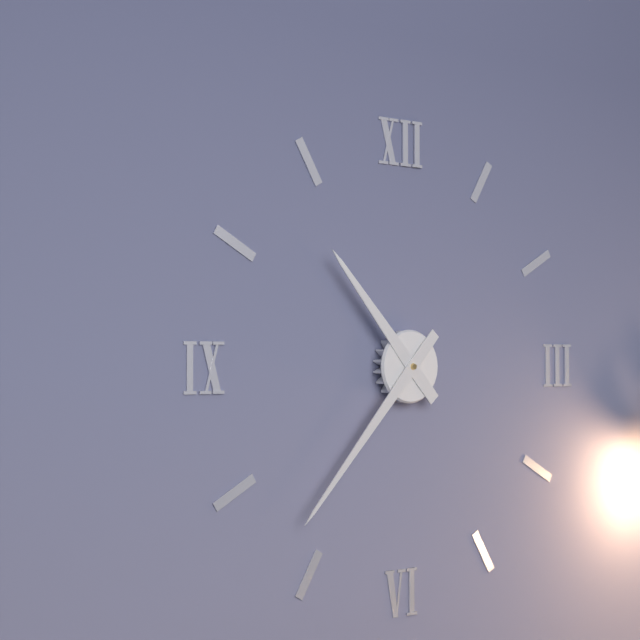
10:37
